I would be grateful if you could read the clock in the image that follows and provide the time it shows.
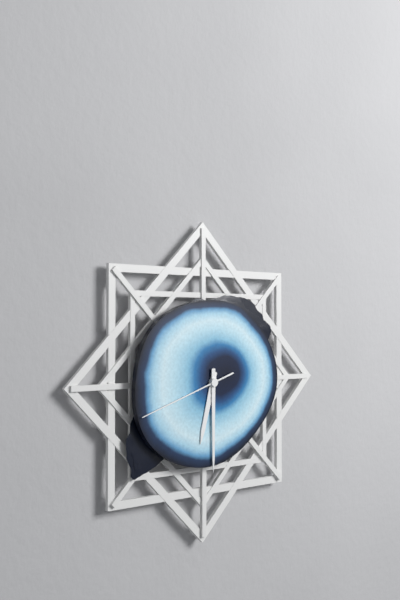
6:30:42
